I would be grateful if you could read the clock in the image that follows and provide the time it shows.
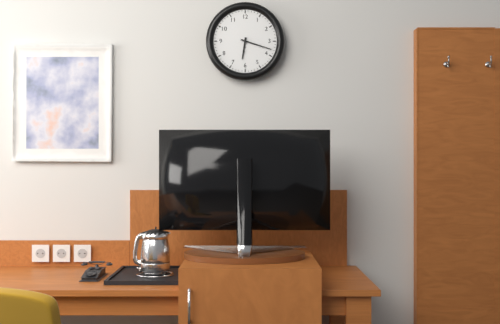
6:18
